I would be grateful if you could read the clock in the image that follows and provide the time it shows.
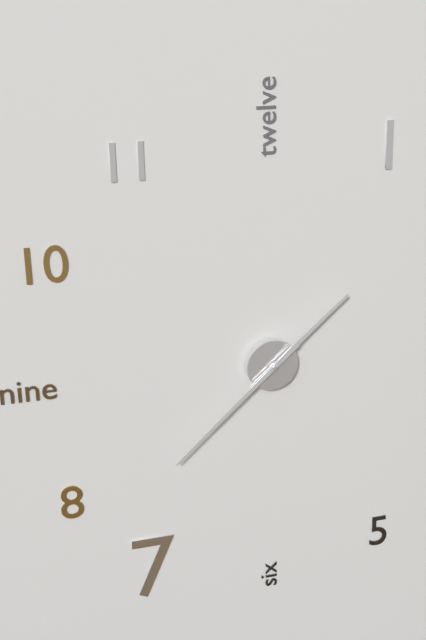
1:38
